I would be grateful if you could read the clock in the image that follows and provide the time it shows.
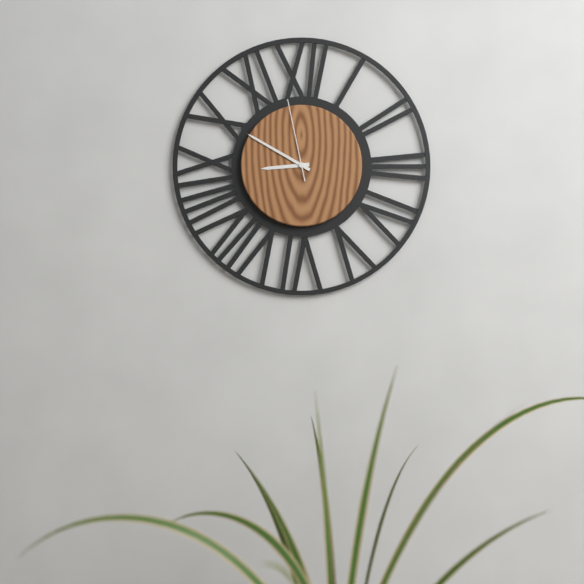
8:50:58
